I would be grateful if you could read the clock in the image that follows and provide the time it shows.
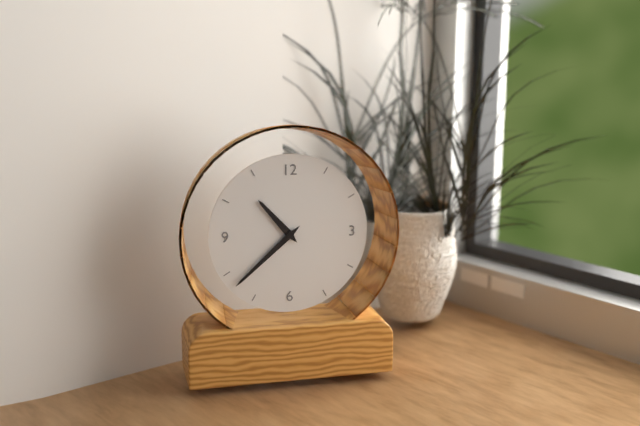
10:38
